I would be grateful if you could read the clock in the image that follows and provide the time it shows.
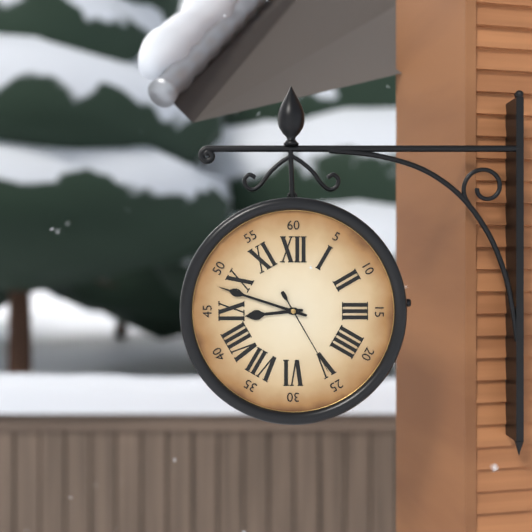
8:48:25
